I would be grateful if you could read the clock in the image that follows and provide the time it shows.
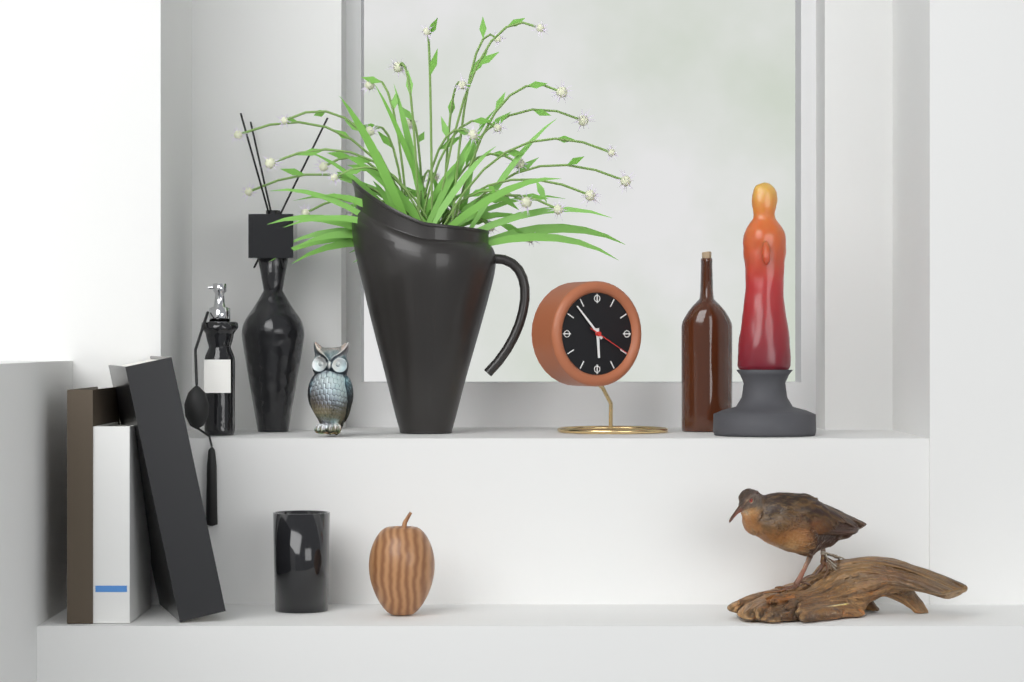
5:53:20
